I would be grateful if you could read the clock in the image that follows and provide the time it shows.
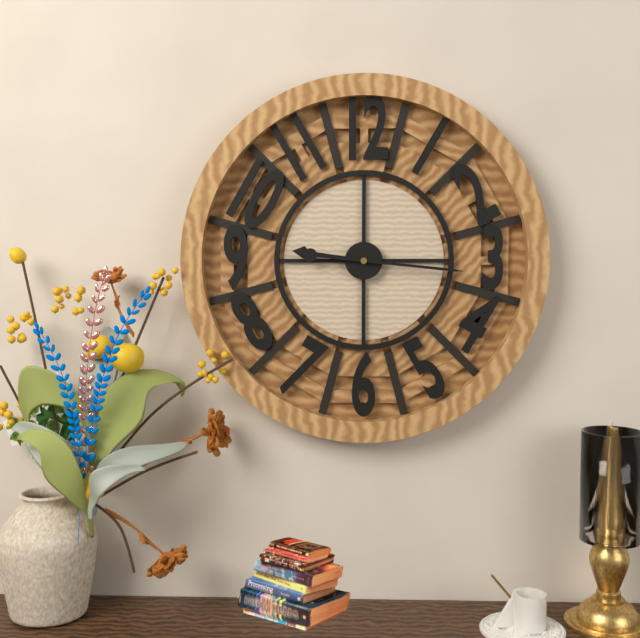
9:16
